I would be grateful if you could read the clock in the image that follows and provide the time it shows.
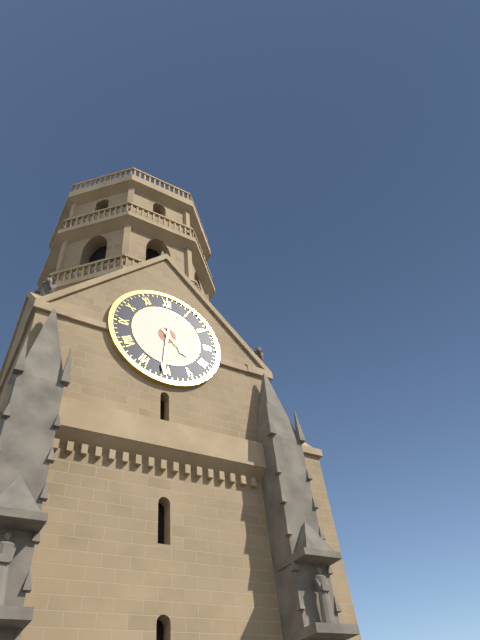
4:31
